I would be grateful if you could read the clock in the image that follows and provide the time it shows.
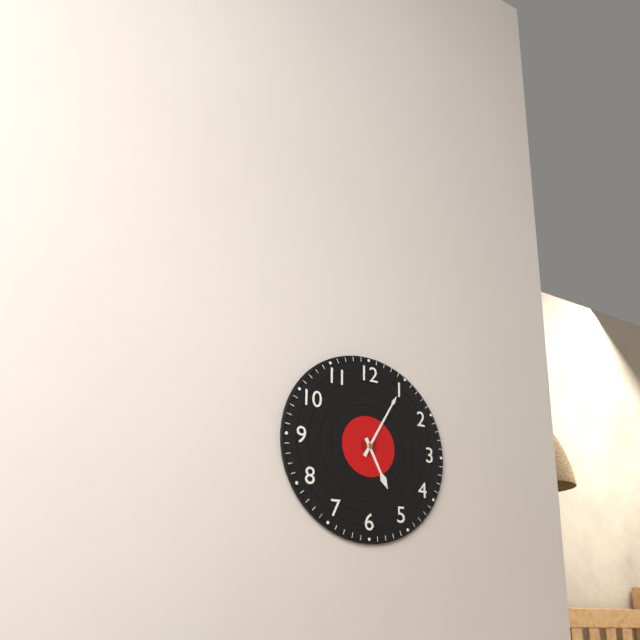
5:05
